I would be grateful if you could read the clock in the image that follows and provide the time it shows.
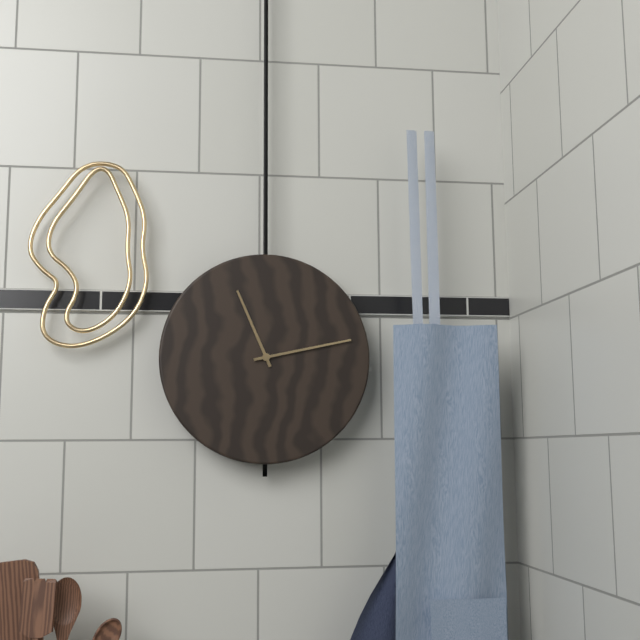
11:13
